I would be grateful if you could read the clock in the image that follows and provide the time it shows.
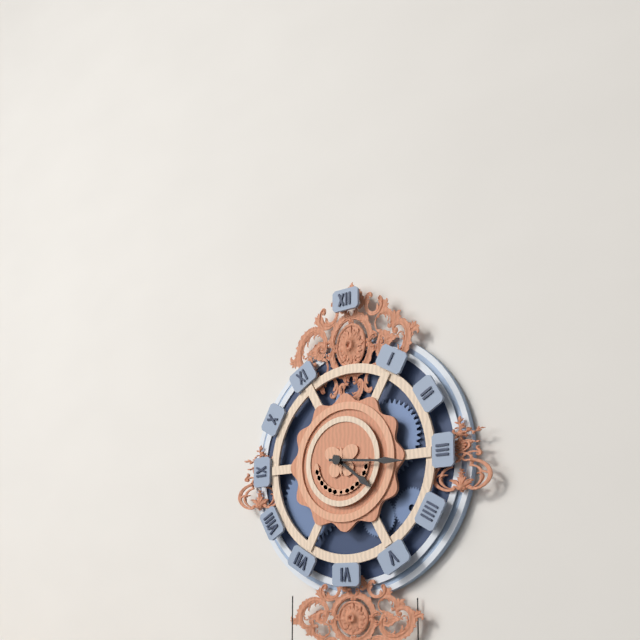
4:16
